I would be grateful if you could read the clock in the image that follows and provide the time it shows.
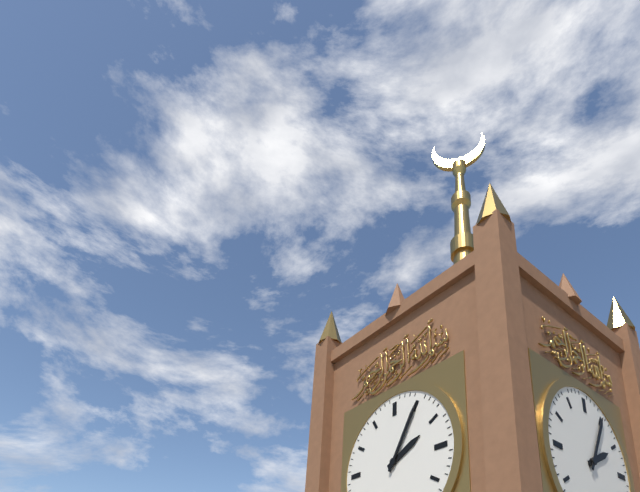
2:05
